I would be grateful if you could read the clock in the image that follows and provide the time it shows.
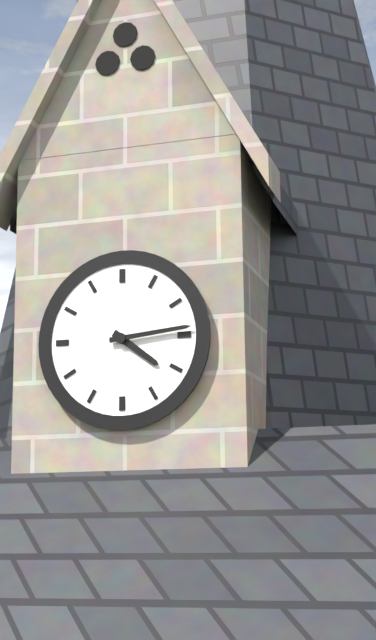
4:14
